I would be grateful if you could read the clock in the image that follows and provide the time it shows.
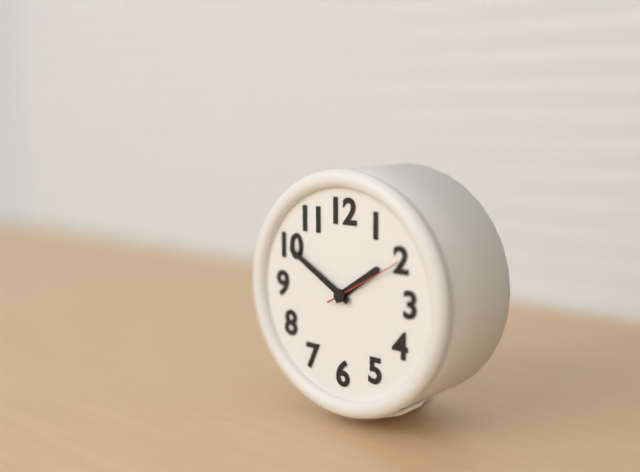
1:50:10
